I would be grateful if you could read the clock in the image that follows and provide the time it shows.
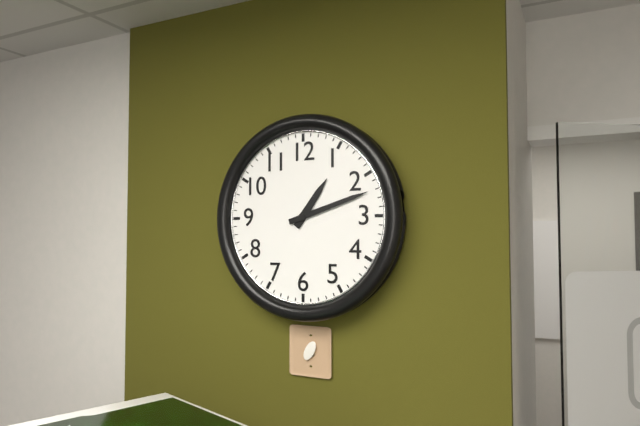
1:12
